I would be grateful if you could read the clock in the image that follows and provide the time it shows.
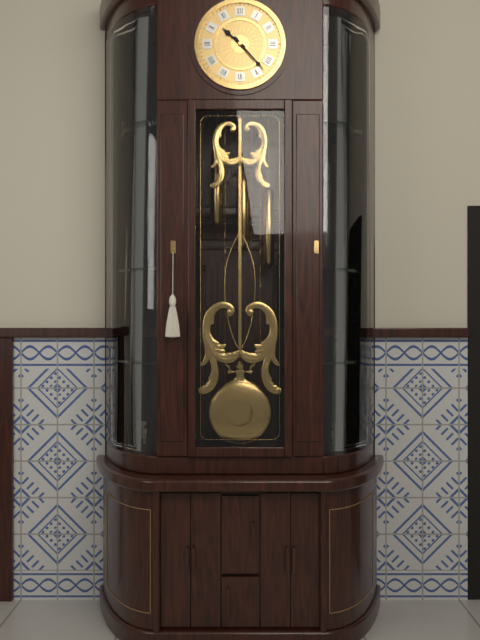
10:23
